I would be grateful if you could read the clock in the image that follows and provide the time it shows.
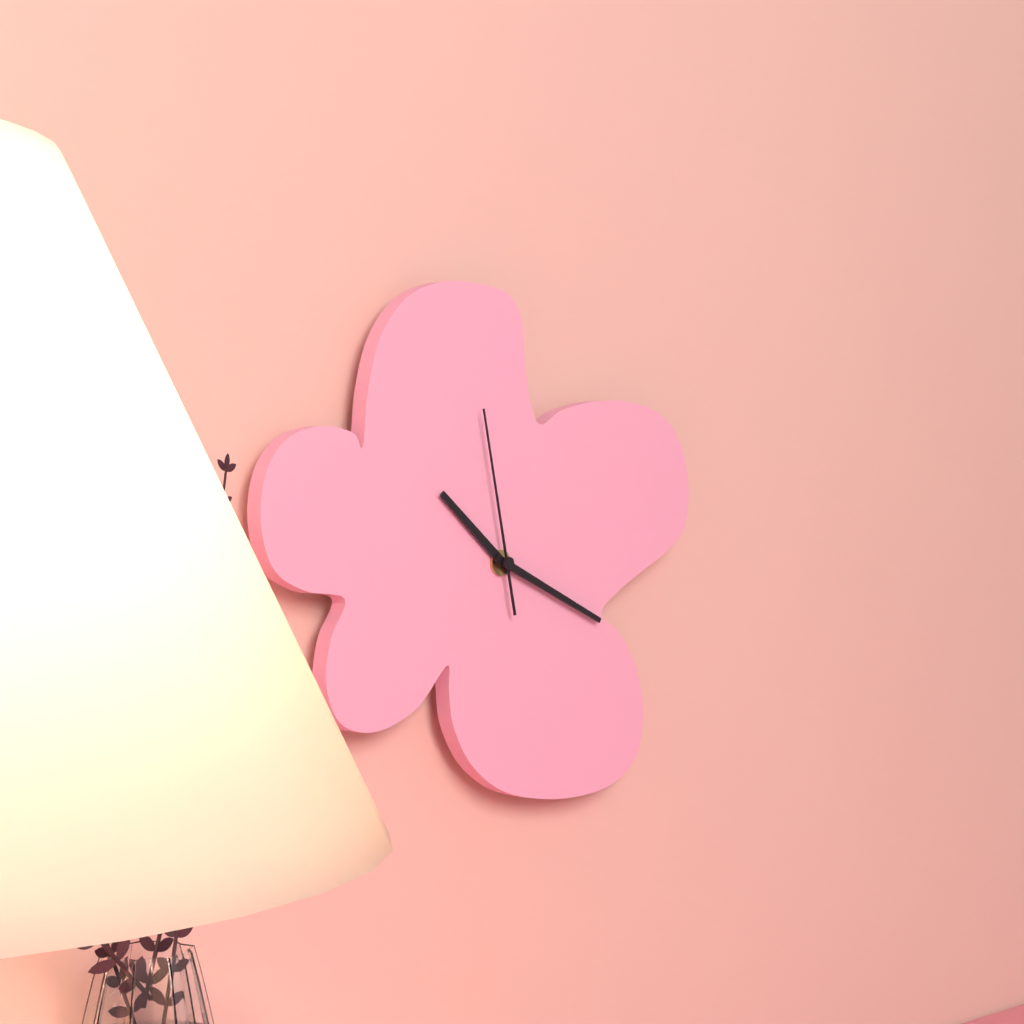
10:19:58
